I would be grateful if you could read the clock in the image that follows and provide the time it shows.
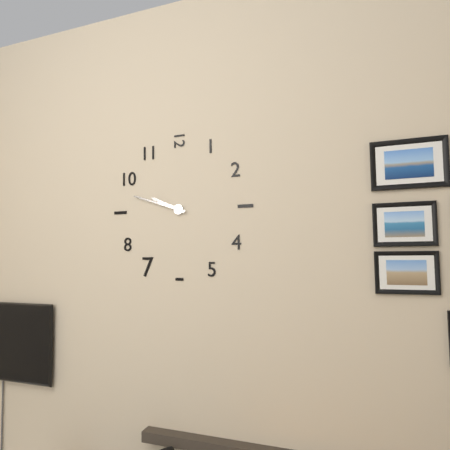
9:48
